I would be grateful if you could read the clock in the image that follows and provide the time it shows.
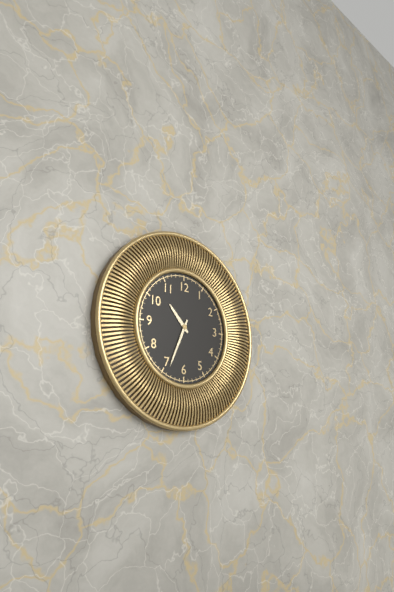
10:34
